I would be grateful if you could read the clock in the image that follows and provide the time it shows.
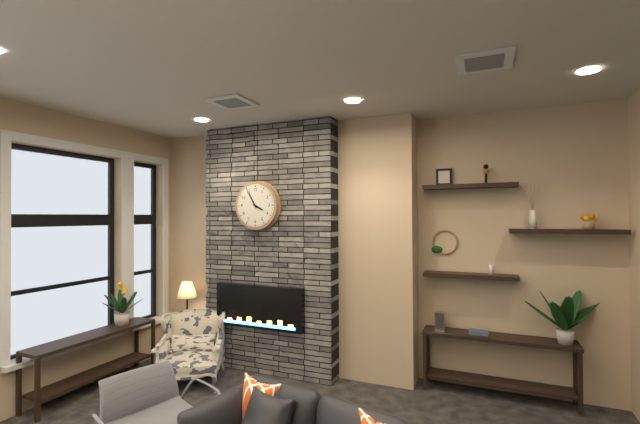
3:55
